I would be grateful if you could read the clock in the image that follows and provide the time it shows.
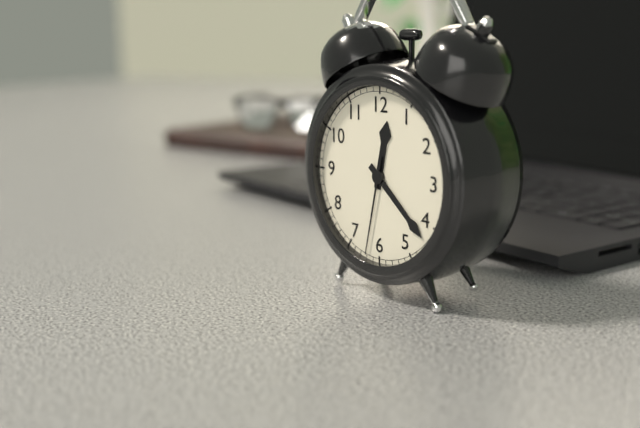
12:22:32
